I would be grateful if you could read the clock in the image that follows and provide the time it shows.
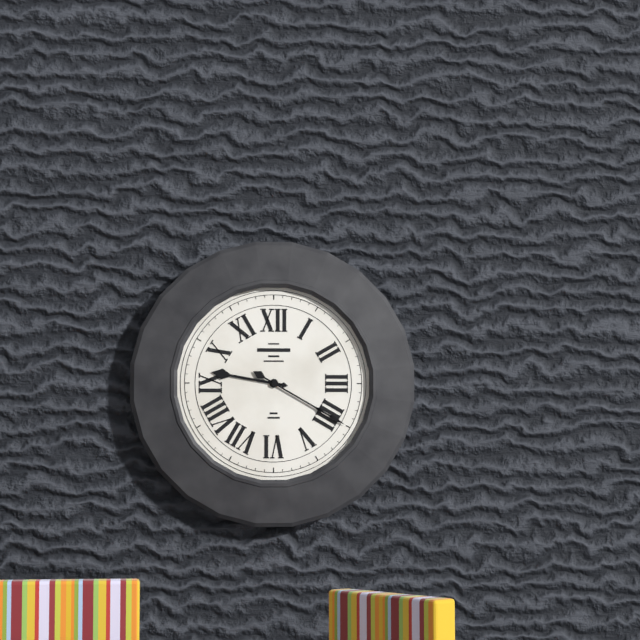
9:20
